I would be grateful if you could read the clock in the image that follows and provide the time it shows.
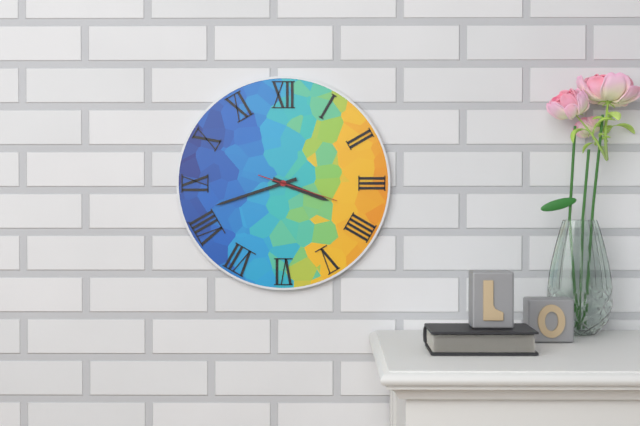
3:42:18
